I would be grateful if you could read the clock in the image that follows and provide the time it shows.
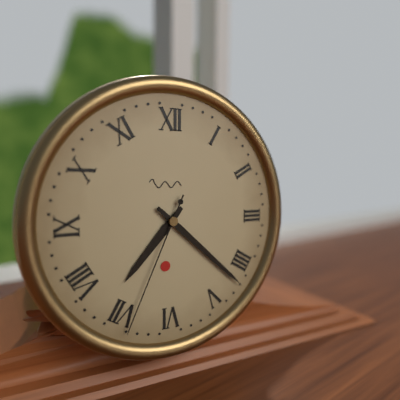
7:22:34
